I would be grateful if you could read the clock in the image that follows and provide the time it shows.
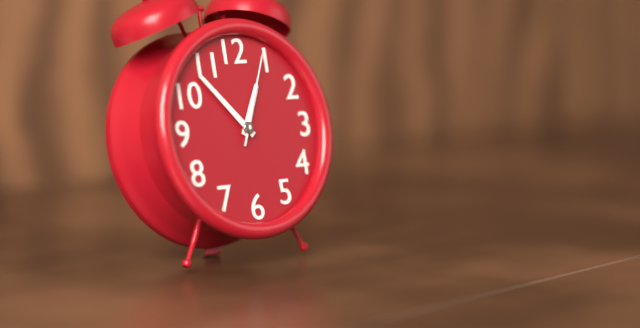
12:53:04
